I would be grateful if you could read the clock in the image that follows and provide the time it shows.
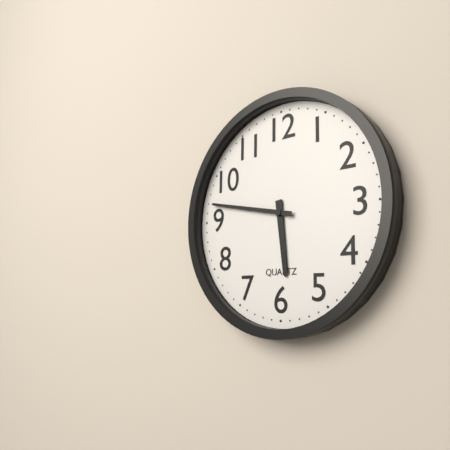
5:47
